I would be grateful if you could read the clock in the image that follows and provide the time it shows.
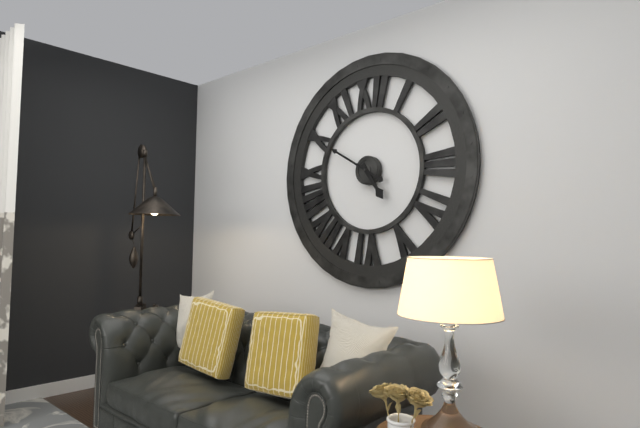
4:50
